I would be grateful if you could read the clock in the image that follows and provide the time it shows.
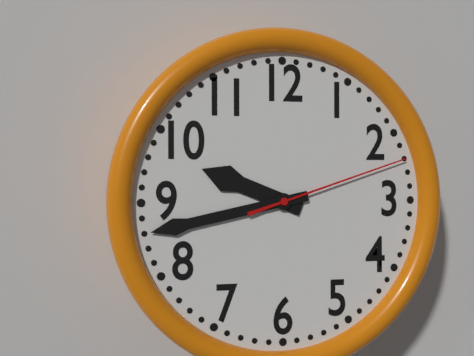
9:43:12
